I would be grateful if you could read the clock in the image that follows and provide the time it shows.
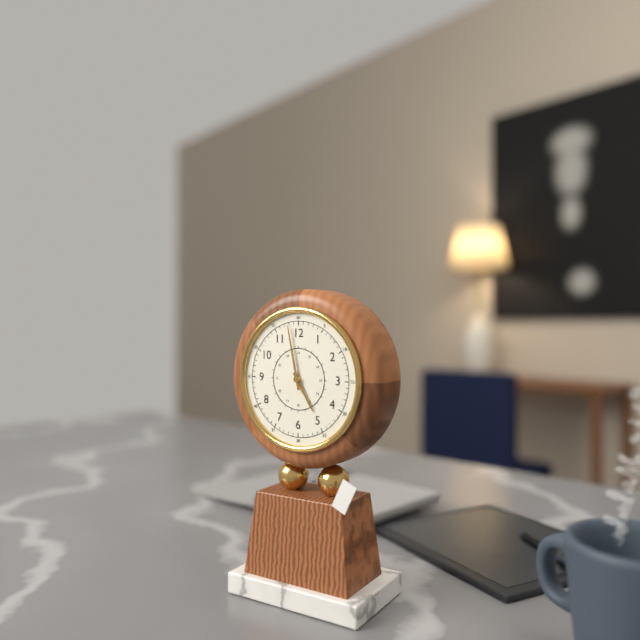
4:58
